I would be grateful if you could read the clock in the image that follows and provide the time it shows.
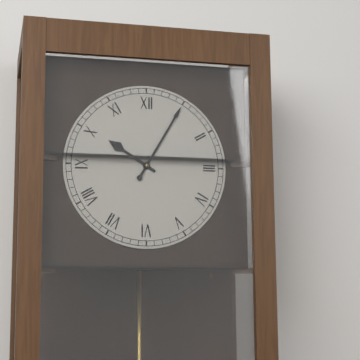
10:05
